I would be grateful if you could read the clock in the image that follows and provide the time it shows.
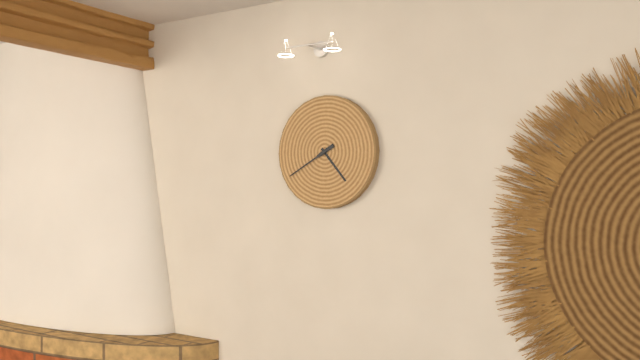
4:40
